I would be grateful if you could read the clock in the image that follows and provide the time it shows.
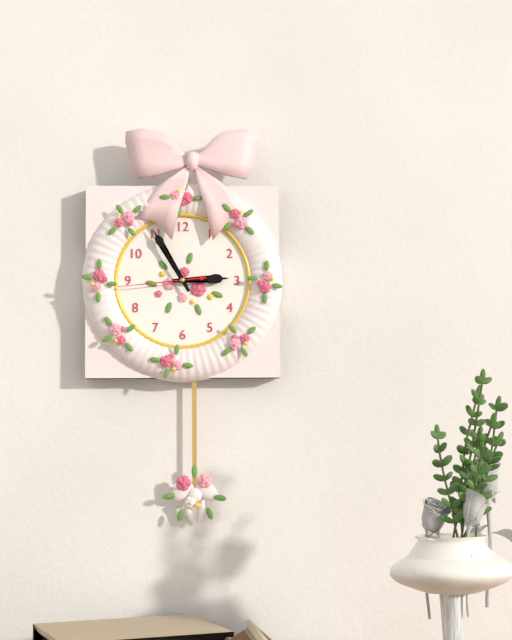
2:55:44
